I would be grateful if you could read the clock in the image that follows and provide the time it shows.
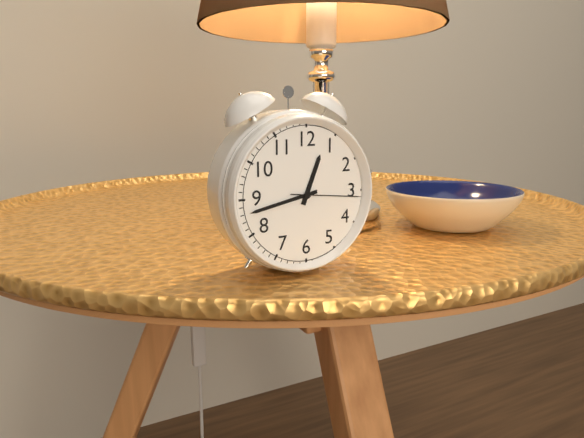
12:43:16
